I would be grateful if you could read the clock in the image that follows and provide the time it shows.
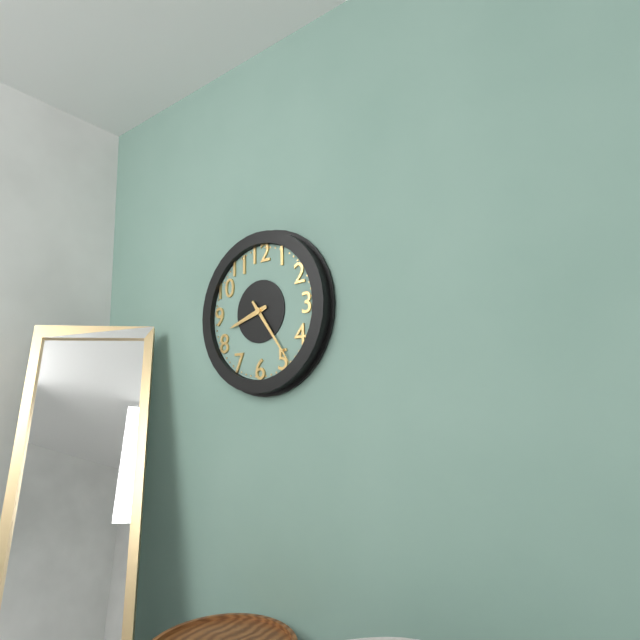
8:24
